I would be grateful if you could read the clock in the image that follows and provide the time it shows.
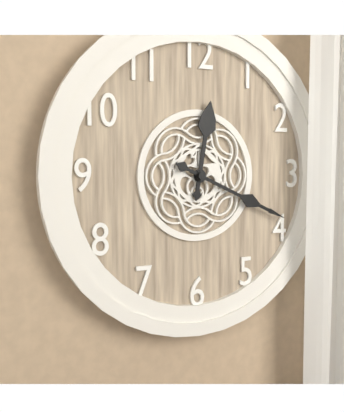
12:19
